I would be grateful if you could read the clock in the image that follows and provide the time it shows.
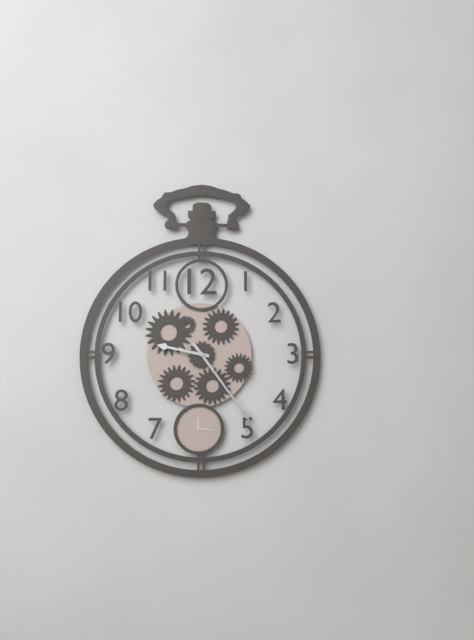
9:24
